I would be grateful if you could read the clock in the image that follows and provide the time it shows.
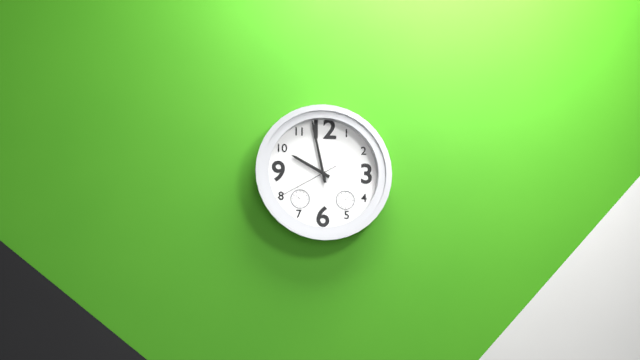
9:58:40
